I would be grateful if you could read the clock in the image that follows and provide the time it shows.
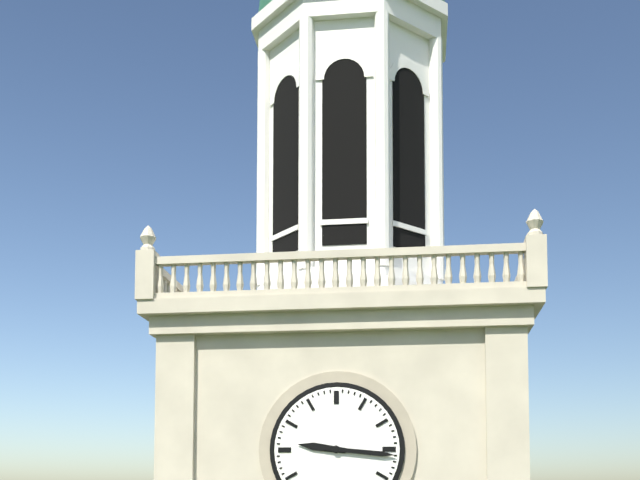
9:16
